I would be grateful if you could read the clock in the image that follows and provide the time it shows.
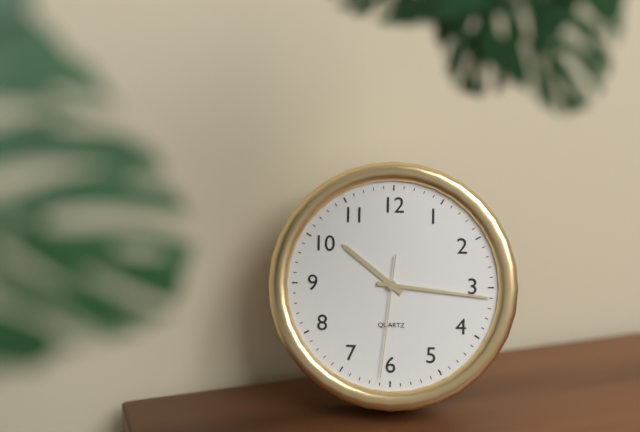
10:16:31
